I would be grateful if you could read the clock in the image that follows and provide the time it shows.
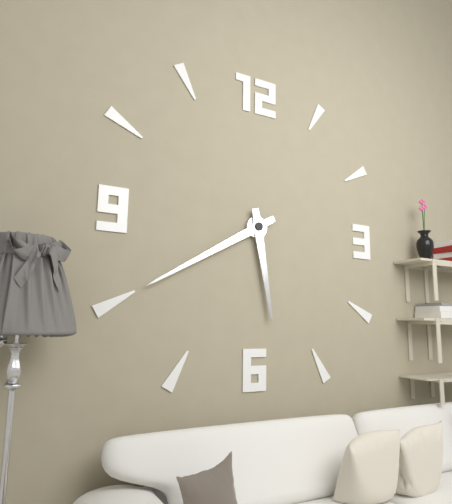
5:40
